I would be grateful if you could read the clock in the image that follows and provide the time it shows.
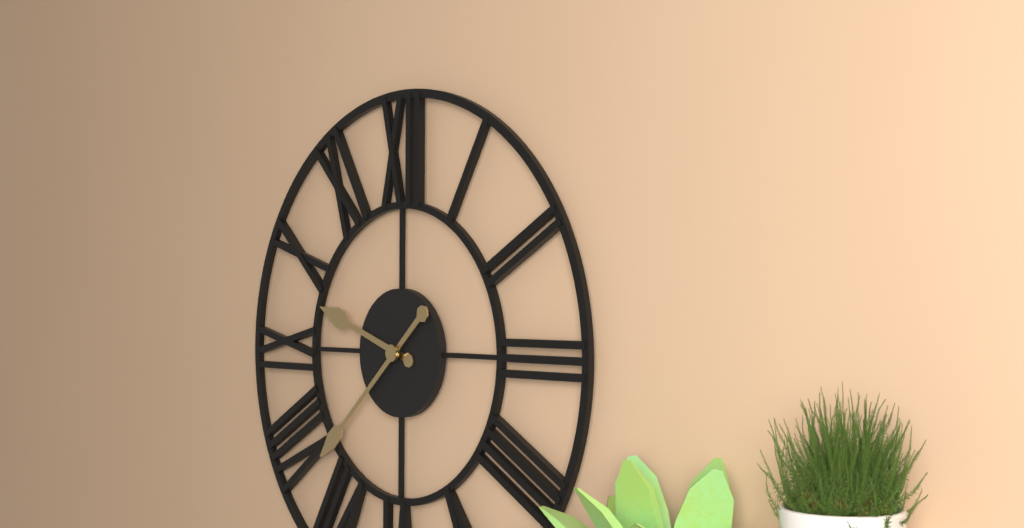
9:38
